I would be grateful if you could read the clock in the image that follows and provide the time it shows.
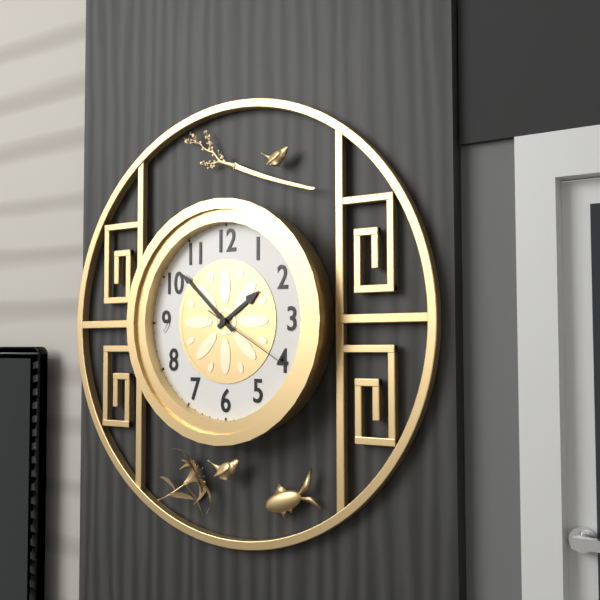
1:52:20
